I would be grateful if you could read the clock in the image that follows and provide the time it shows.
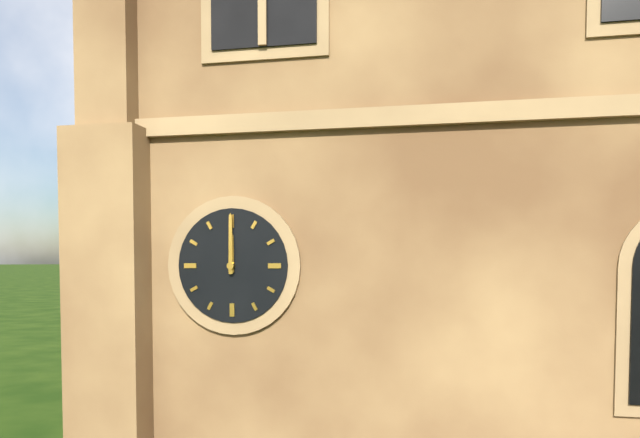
12:00
